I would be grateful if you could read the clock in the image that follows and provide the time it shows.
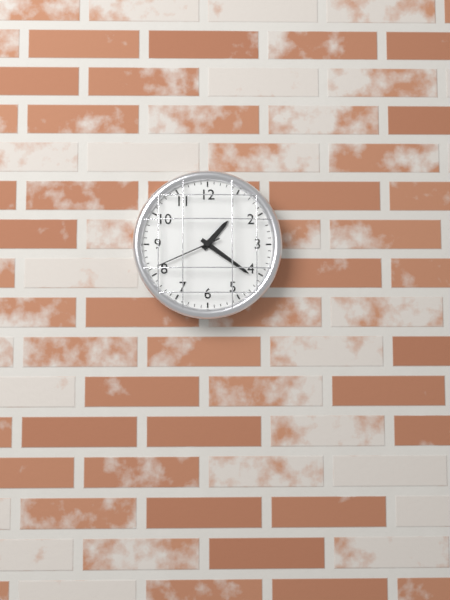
1:21:41
